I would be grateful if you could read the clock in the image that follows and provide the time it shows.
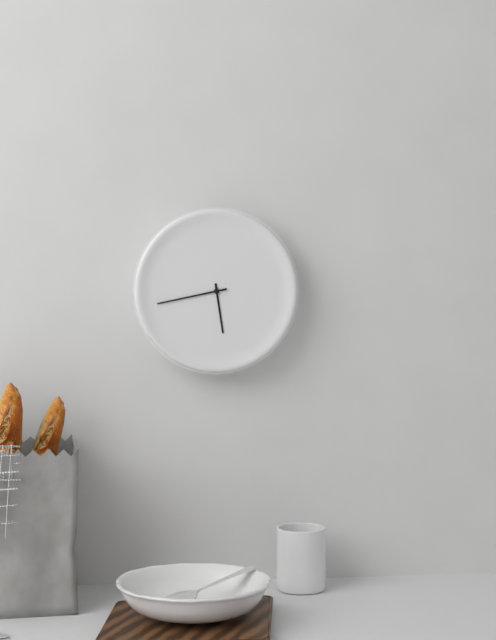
5:43
